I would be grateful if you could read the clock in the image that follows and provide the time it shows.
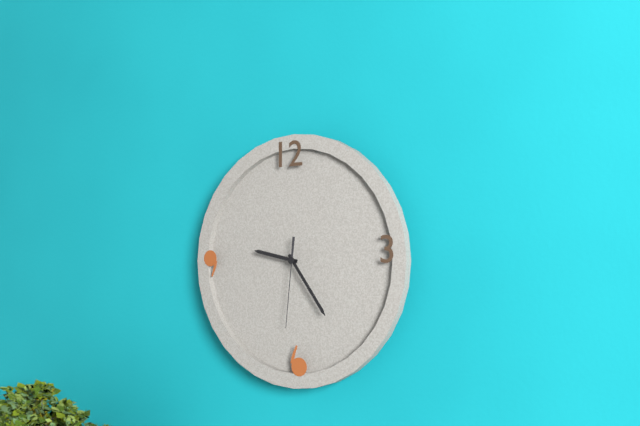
9:24:31
